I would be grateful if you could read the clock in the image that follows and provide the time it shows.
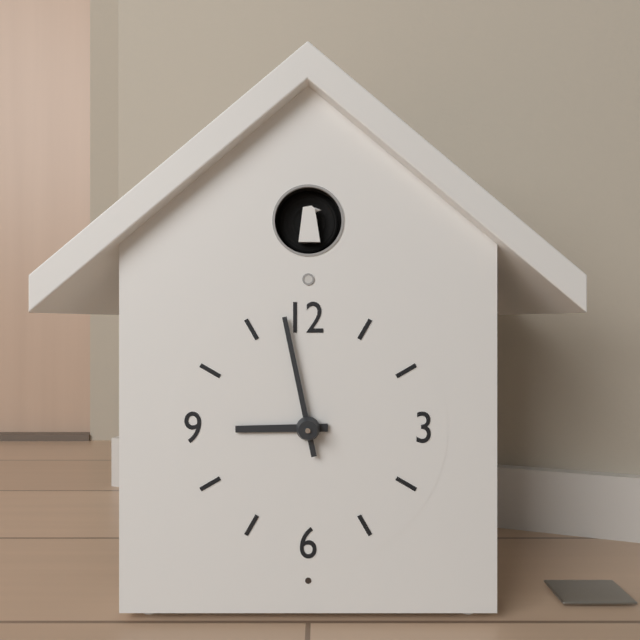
8:58
